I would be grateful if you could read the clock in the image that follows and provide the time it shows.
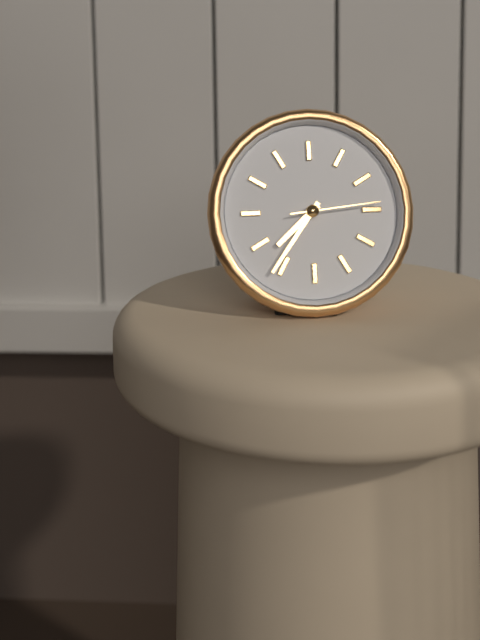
7:36:14
